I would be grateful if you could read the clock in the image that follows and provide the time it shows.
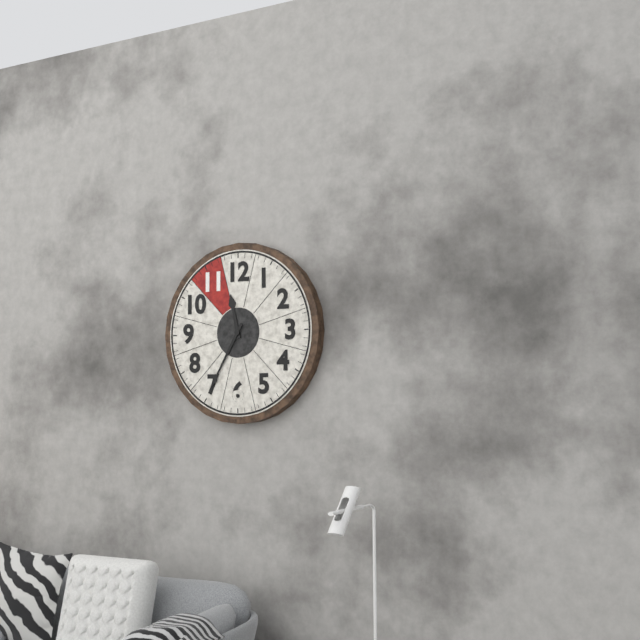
11:35
